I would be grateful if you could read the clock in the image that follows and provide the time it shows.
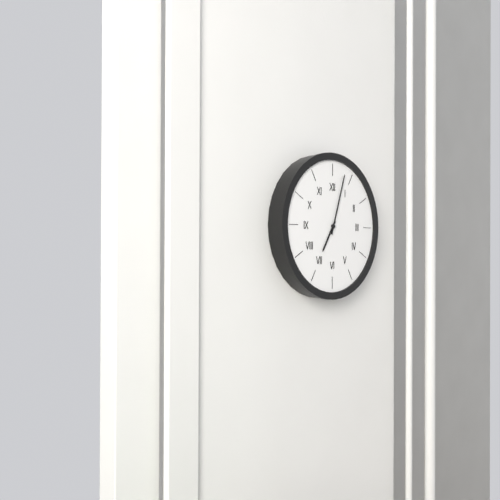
7:03
